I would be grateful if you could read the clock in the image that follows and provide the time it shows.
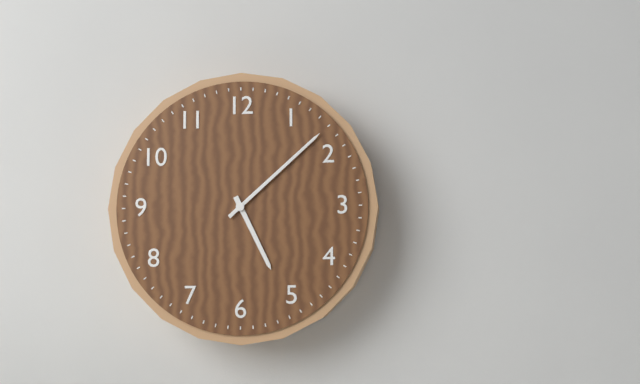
5:08
